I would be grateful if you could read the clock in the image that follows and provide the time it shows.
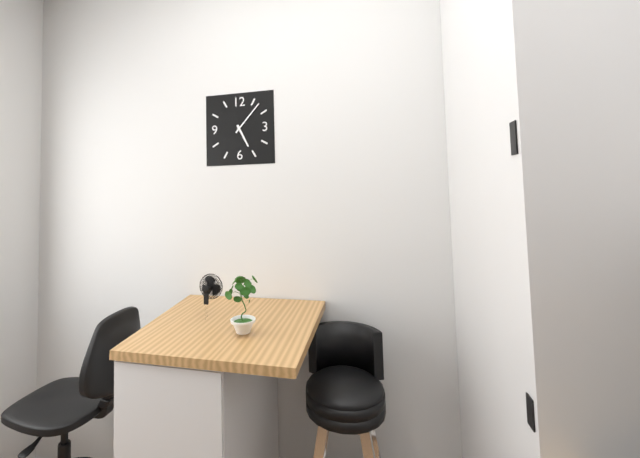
5:07
